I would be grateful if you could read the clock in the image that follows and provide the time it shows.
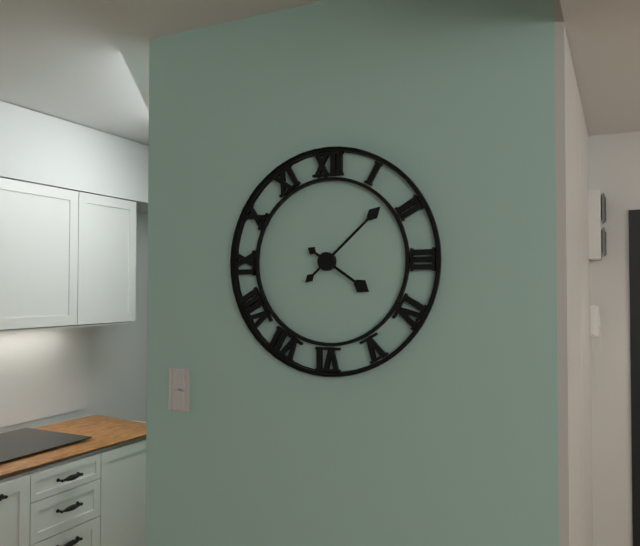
4:08
